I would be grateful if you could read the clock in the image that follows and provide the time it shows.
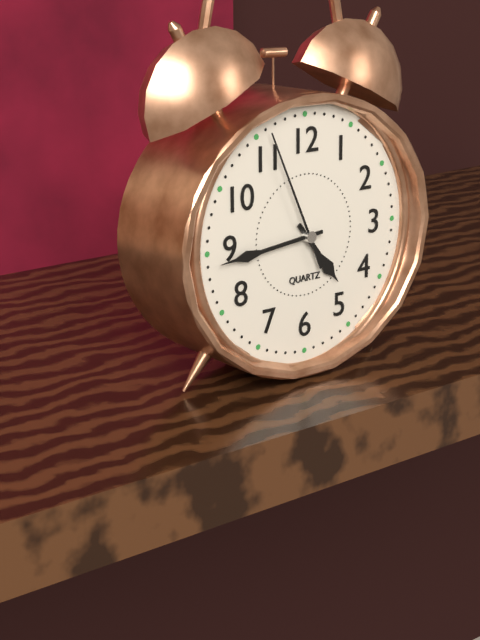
4:44:56
